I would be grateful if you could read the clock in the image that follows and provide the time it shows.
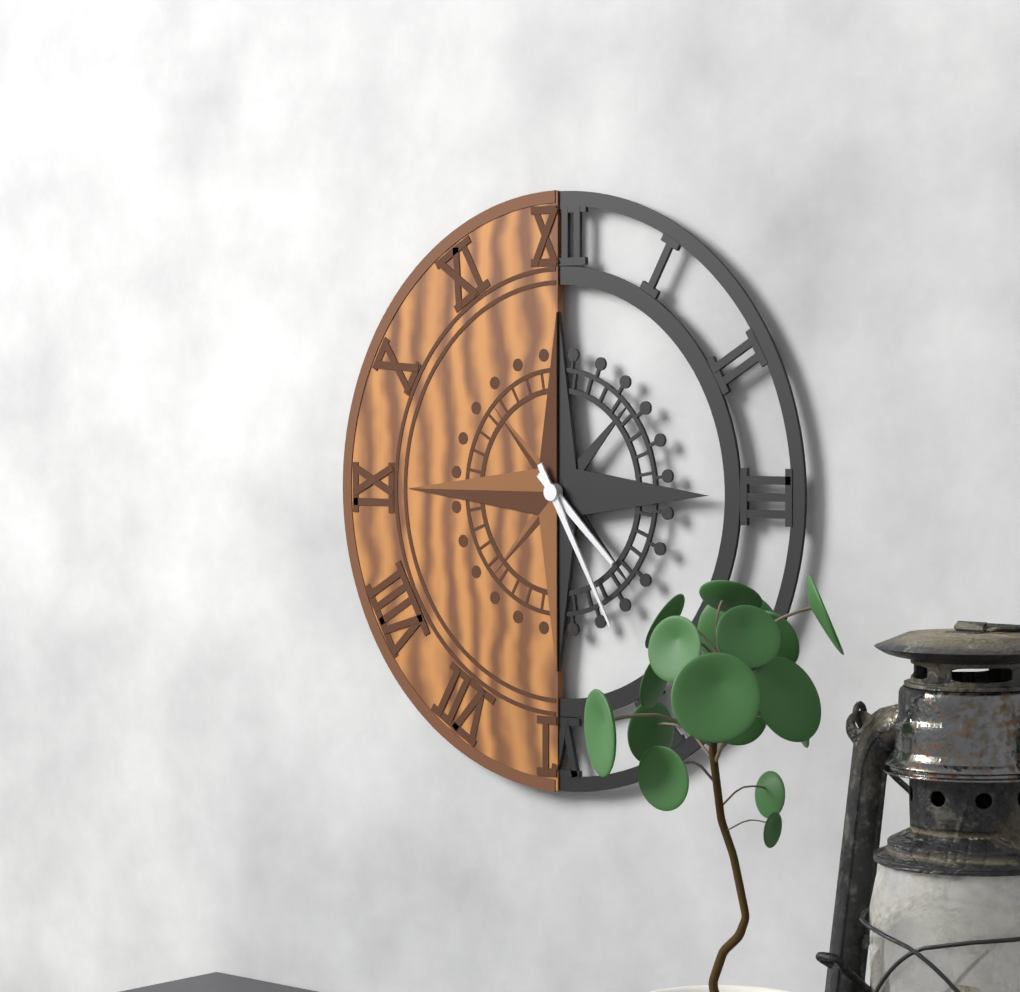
4:25
